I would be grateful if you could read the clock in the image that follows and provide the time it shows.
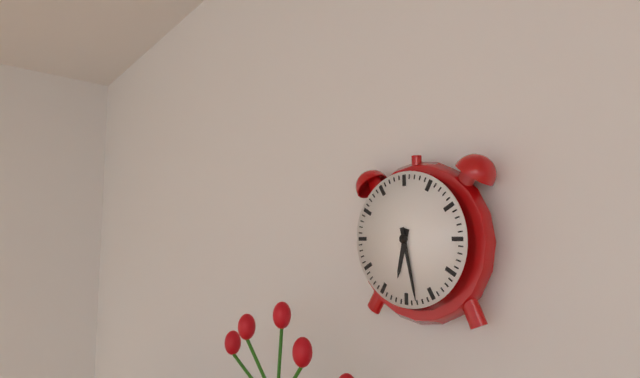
6:28
